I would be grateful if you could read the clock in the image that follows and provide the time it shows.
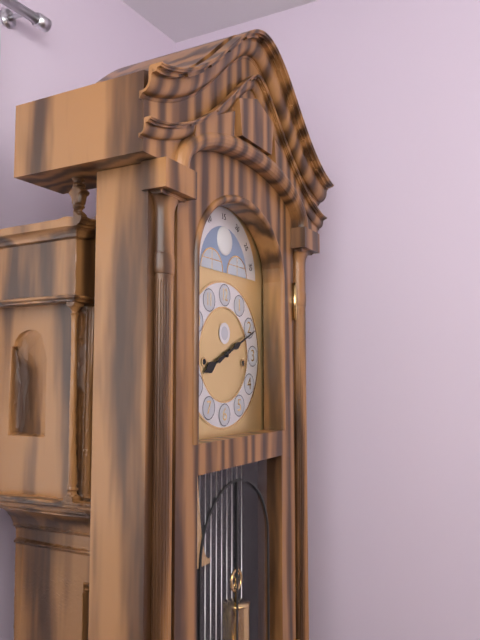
8:11
